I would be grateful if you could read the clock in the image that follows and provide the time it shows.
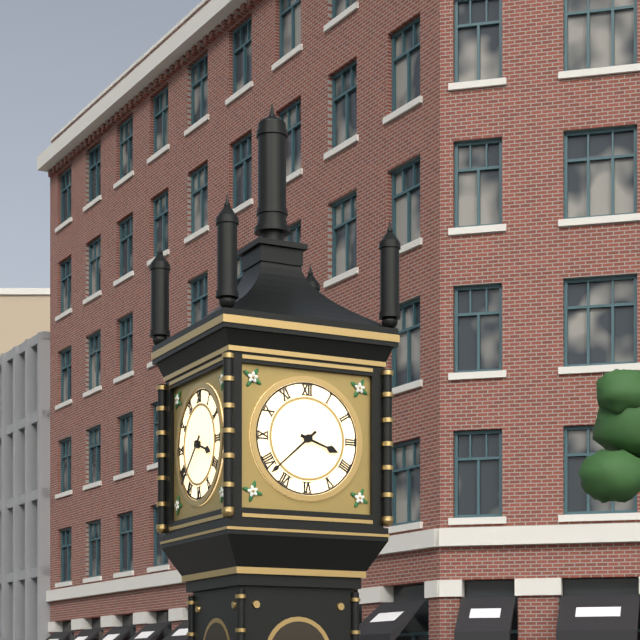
3:38
